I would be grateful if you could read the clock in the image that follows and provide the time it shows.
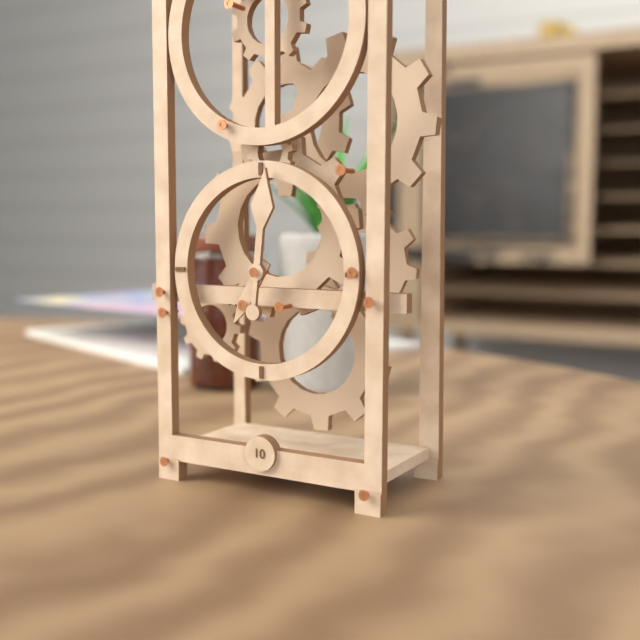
7:01
